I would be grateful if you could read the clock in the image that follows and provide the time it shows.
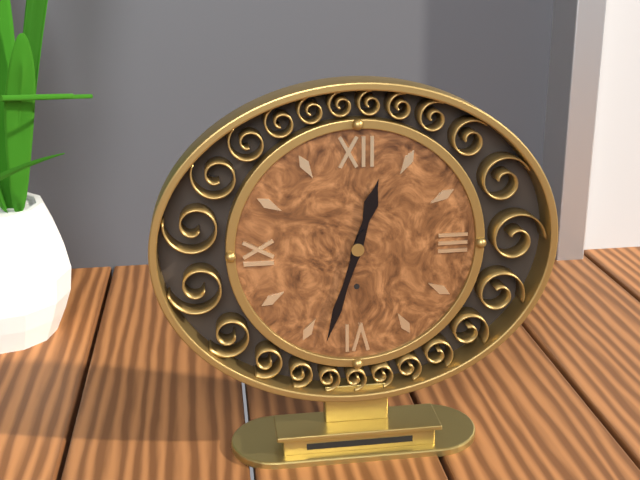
12:33
